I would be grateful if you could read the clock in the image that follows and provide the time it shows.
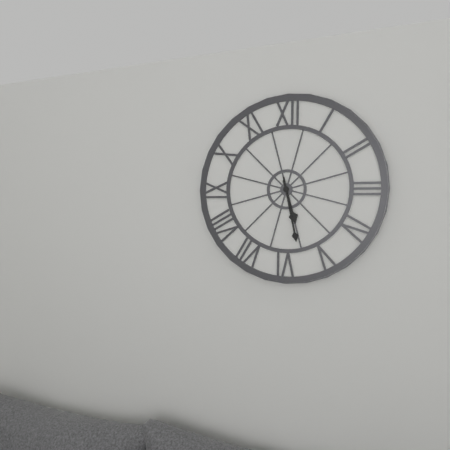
5:28
